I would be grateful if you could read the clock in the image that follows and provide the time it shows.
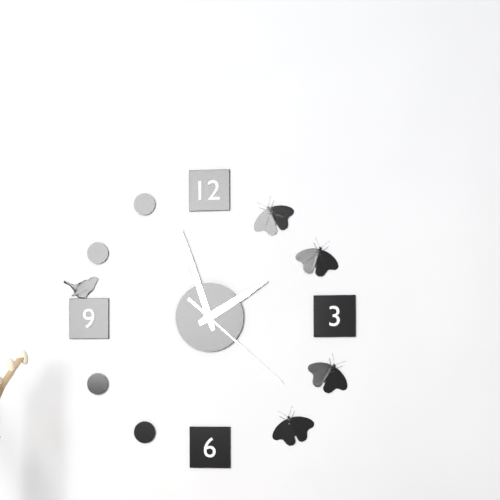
1:57:22
